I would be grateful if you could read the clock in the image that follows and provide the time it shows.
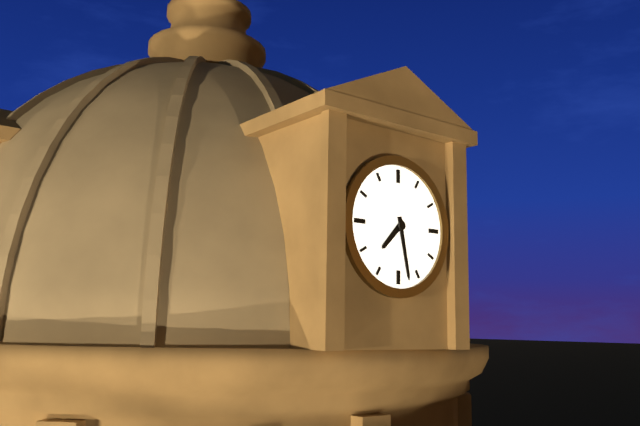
7:28
